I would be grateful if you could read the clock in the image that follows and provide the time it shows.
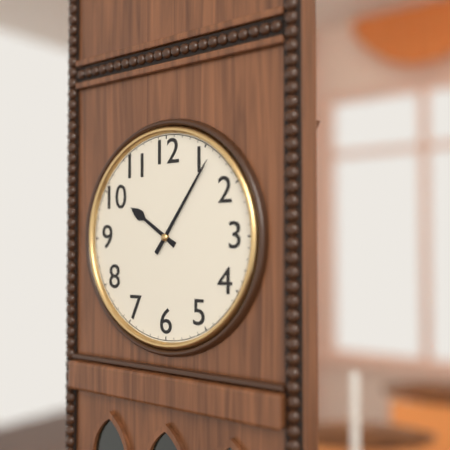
10:06
